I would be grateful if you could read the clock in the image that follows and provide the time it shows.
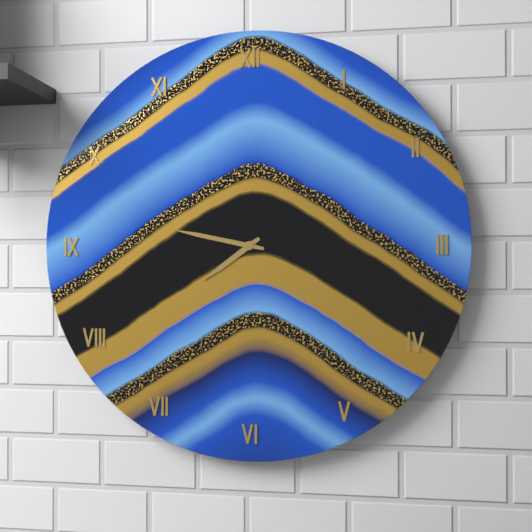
7:47
